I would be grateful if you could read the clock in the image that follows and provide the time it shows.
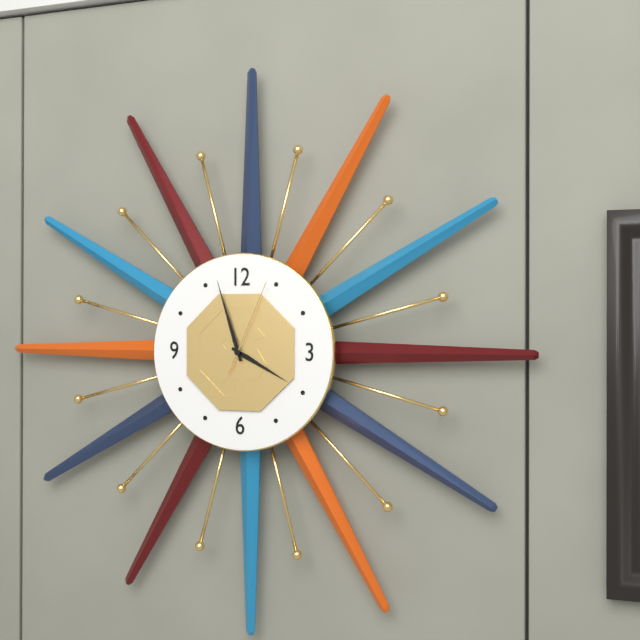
3:57:04
